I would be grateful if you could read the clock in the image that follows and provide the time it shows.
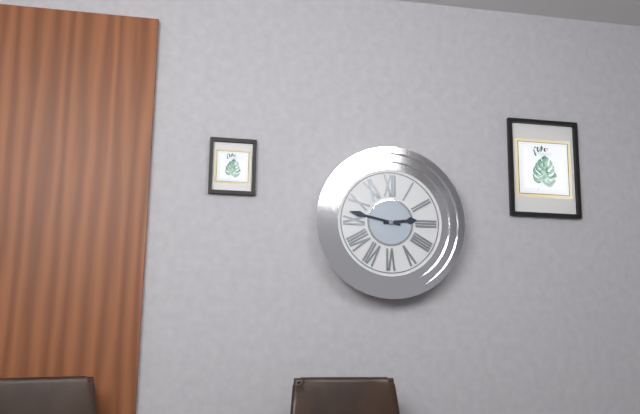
2:47
